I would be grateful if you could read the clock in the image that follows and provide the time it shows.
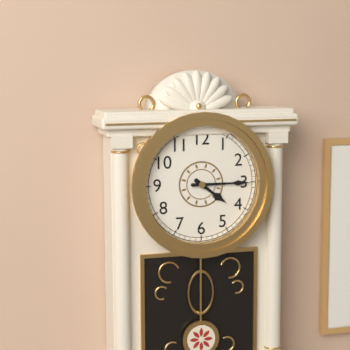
4:15
